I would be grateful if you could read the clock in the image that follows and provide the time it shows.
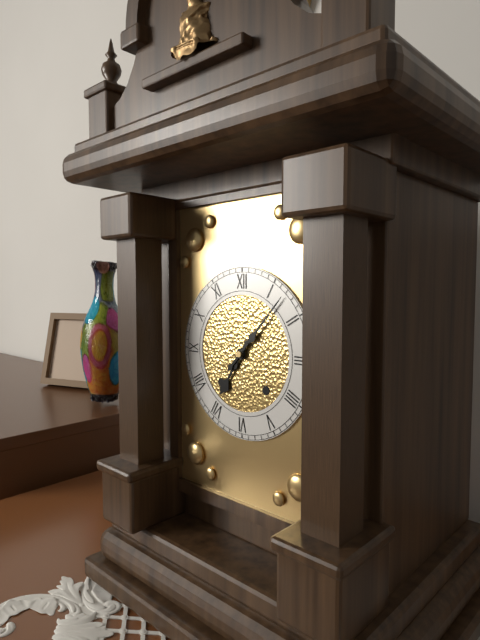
7:07
